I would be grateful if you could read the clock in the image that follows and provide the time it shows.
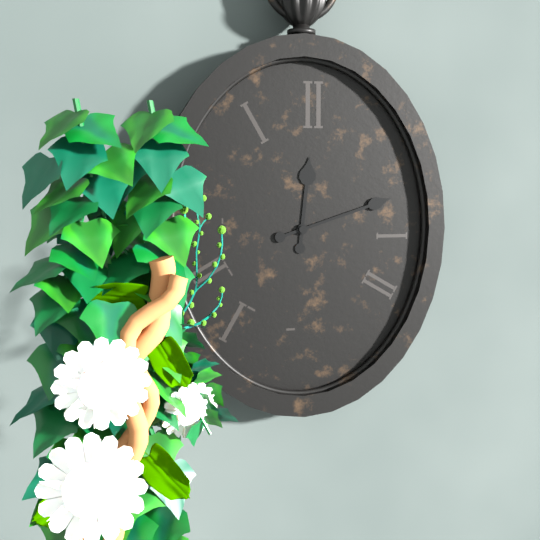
12:12
